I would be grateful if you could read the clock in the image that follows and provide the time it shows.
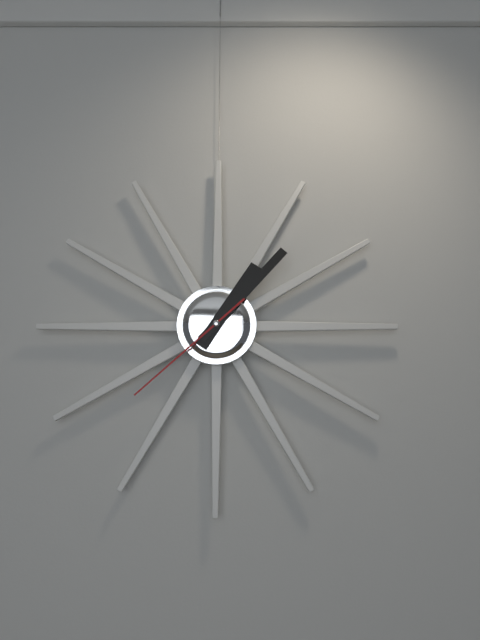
1:07:38
